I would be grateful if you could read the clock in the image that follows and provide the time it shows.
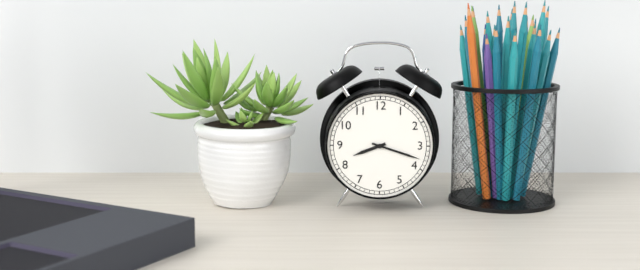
8:18
